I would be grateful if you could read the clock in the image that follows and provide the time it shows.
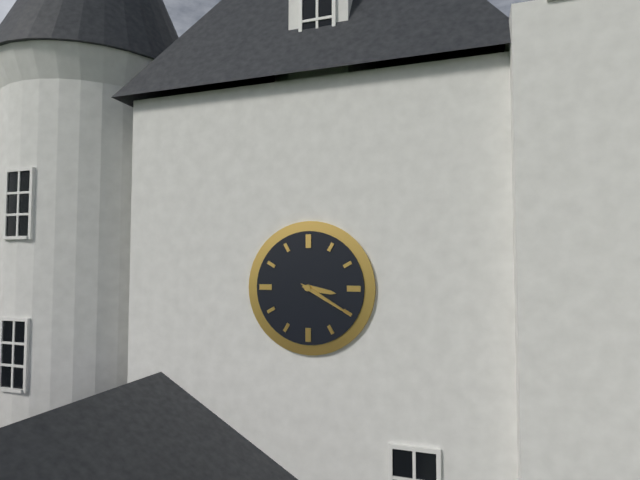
3:20
